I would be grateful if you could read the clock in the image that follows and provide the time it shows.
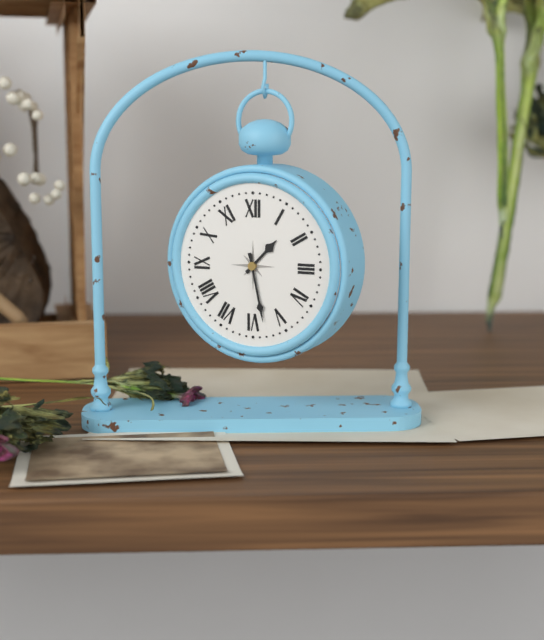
1:28
